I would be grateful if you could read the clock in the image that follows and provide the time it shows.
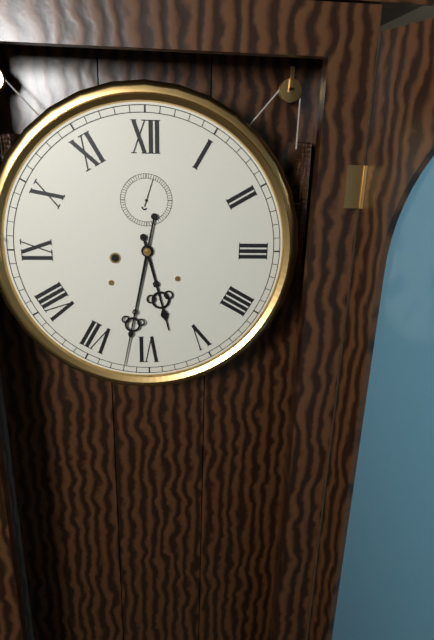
5:32
